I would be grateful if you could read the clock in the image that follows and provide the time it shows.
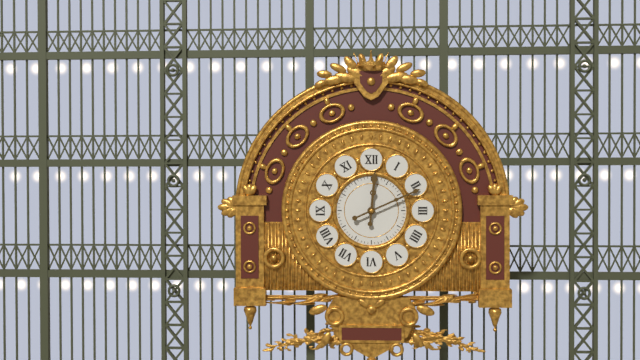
12:11
